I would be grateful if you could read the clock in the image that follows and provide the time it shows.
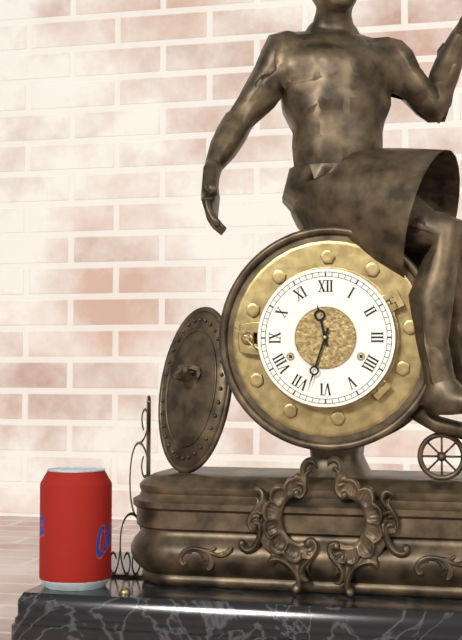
11:33
